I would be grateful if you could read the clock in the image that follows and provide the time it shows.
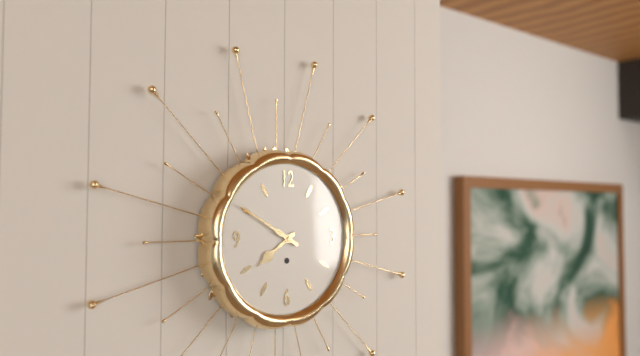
7:50
